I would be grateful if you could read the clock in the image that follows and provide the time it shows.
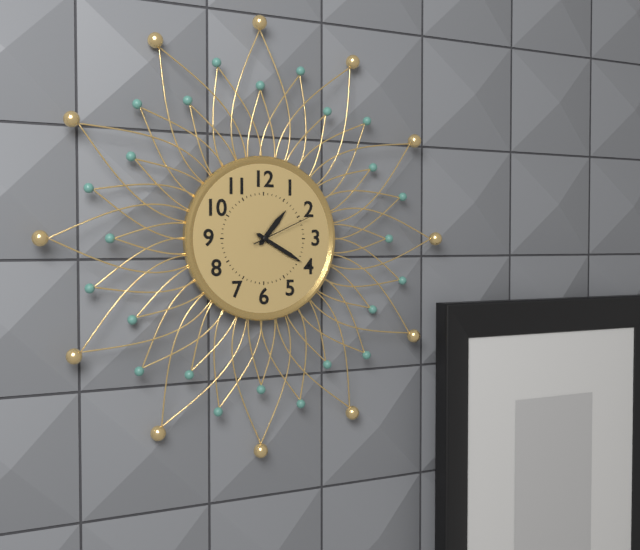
1:20:11
